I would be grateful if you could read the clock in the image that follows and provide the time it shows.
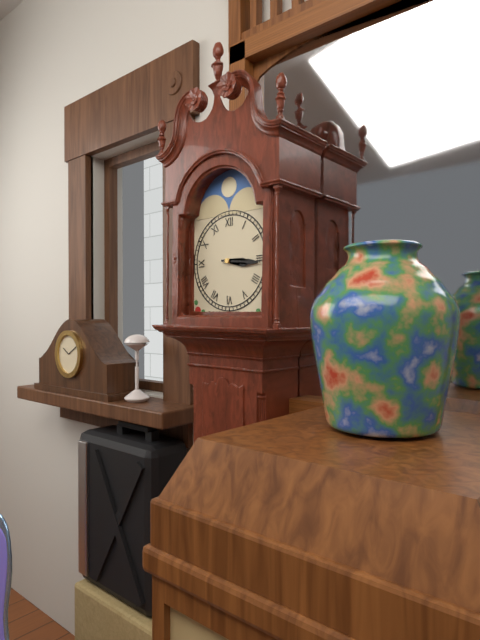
3:16
